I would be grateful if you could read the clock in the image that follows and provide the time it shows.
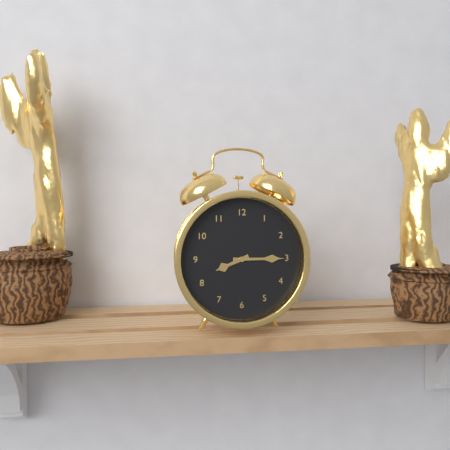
8:15
